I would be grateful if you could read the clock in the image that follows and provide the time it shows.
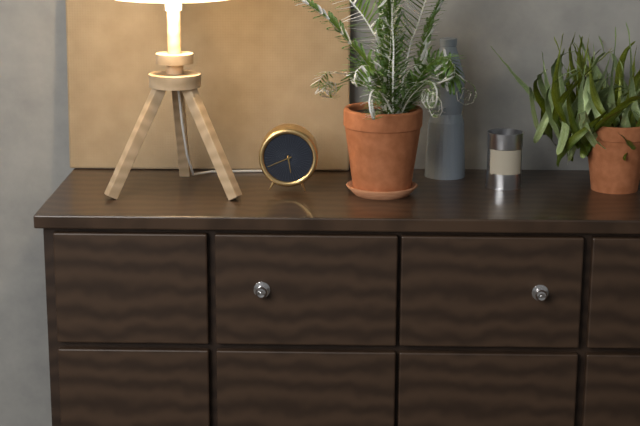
5:41
